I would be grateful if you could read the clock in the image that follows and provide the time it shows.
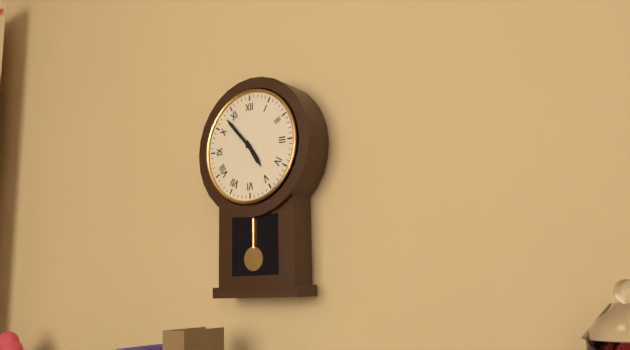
4:53
